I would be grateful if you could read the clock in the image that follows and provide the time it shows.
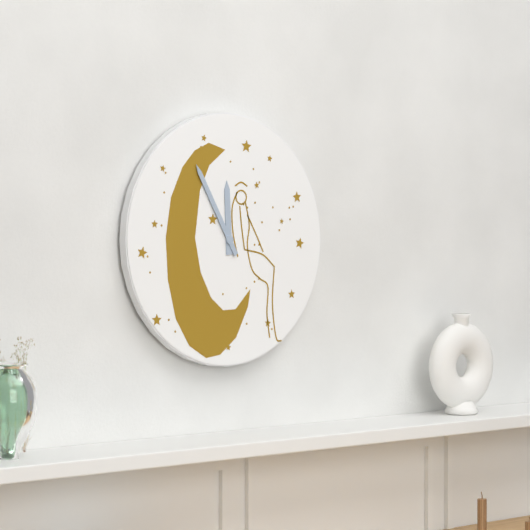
11:55
